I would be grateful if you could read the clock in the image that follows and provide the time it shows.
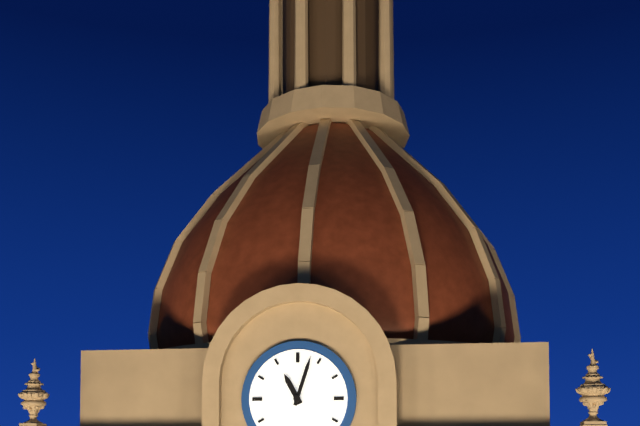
11:03
